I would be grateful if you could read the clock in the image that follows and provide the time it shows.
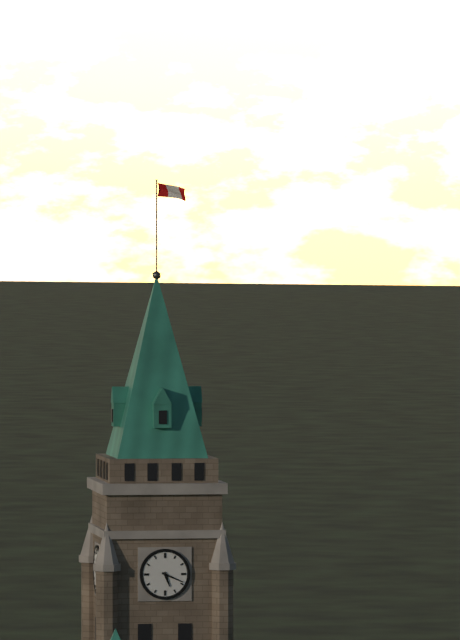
5:19
